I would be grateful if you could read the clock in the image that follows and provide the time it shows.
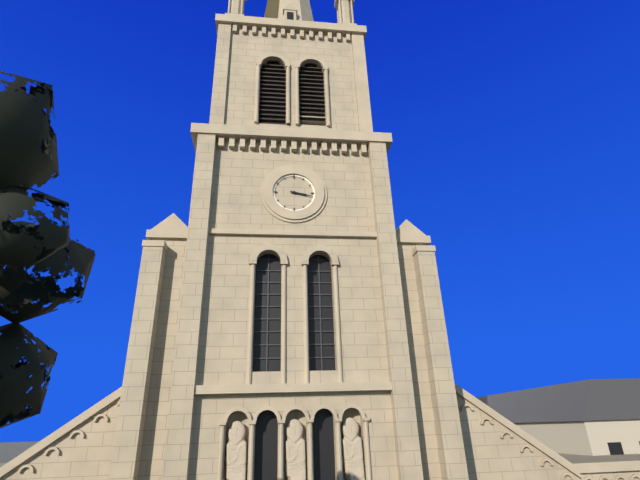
3:17
